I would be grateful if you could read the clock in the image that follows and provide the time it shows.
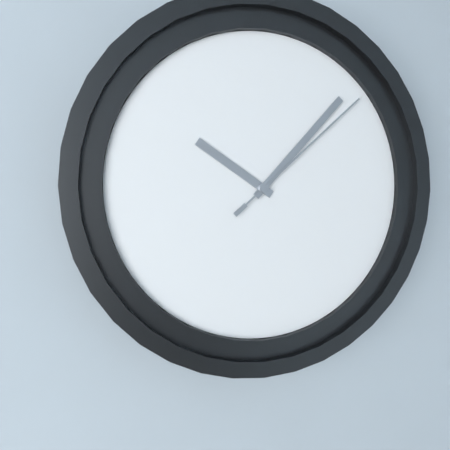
10:07:08
